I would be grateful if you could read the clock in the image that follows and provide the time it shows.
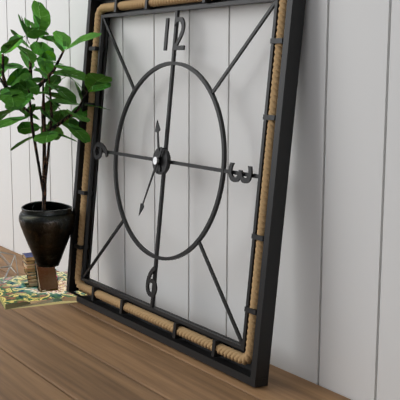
11:34
